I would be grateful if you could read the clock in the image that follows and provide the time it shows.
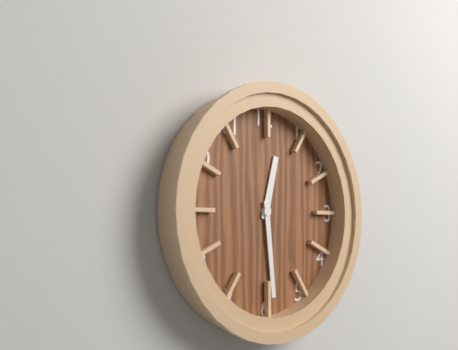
12:29
